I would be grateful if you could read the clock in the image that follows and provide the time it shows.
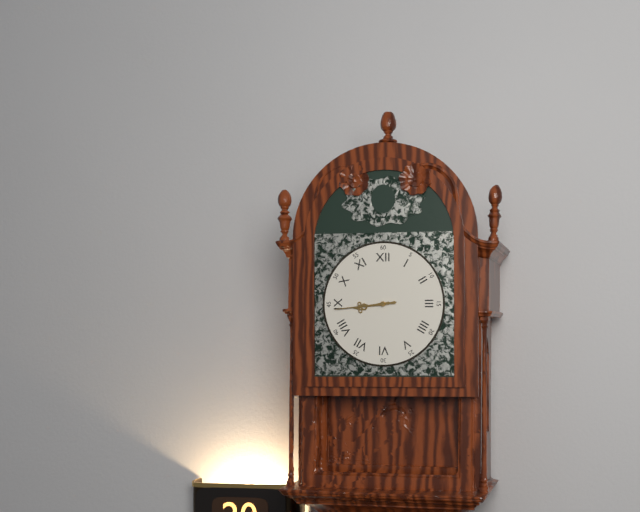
8:44
